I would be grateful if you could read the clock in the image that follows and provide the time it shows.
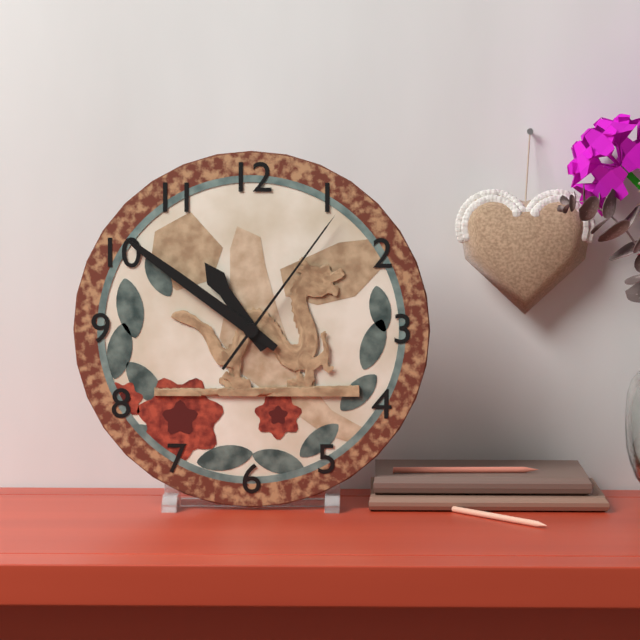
10:51:06
